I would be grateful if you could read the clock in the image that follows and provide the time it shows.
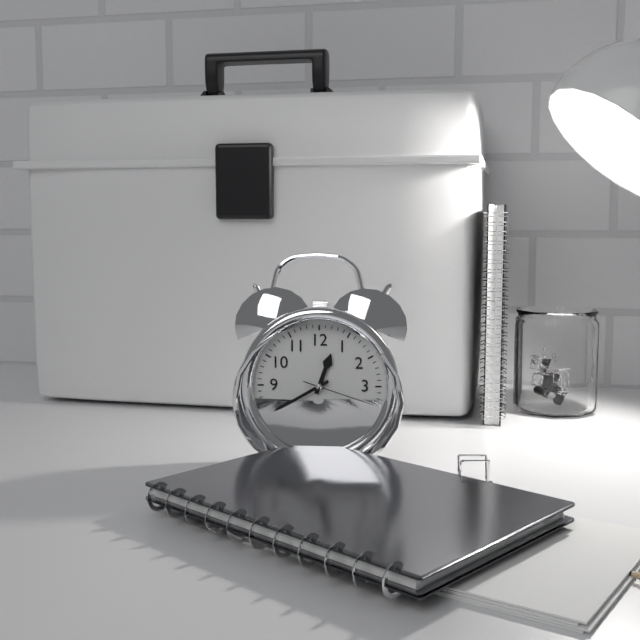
12:40:18
